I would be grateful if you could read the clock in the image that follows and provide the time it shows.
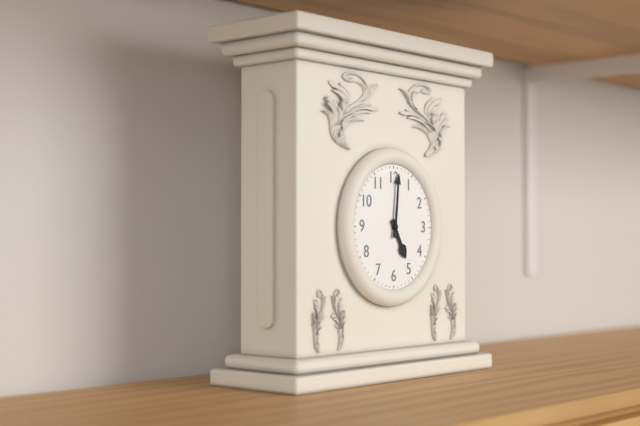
5:01
